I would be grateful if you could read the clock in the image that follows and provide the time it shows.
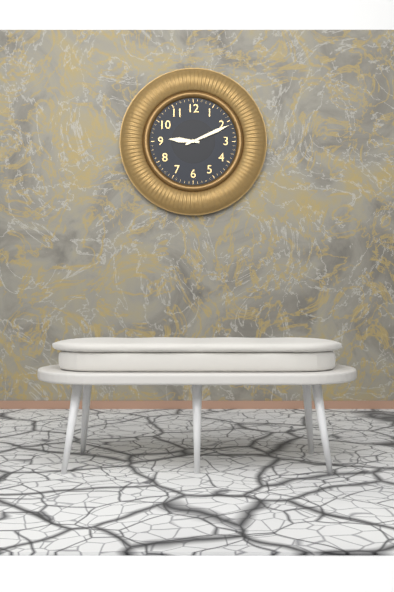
9:11
